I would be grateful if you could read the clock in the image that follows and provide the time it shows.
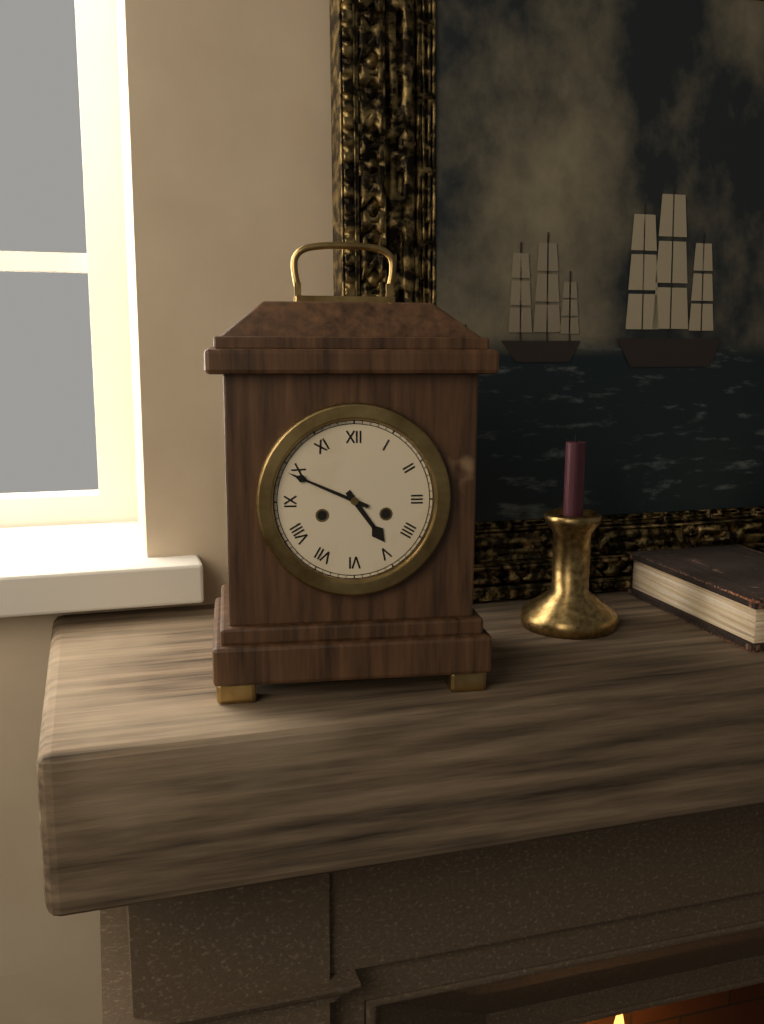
4:49
